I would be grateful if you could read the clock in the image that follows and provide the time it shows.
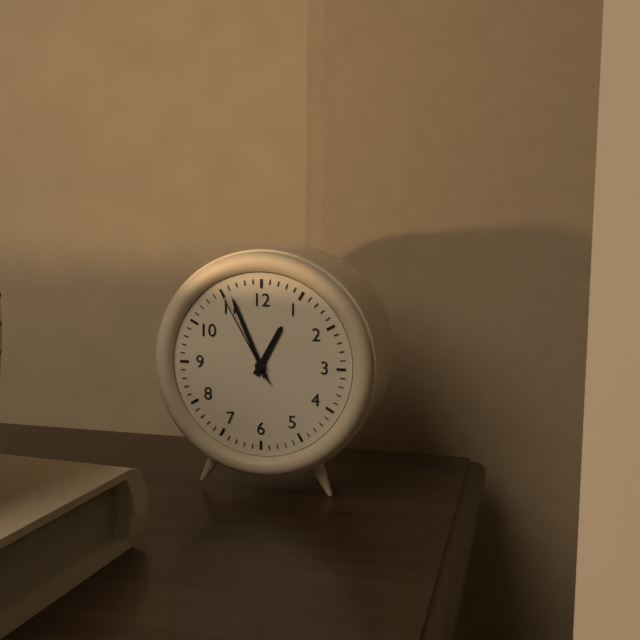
12:56:55
